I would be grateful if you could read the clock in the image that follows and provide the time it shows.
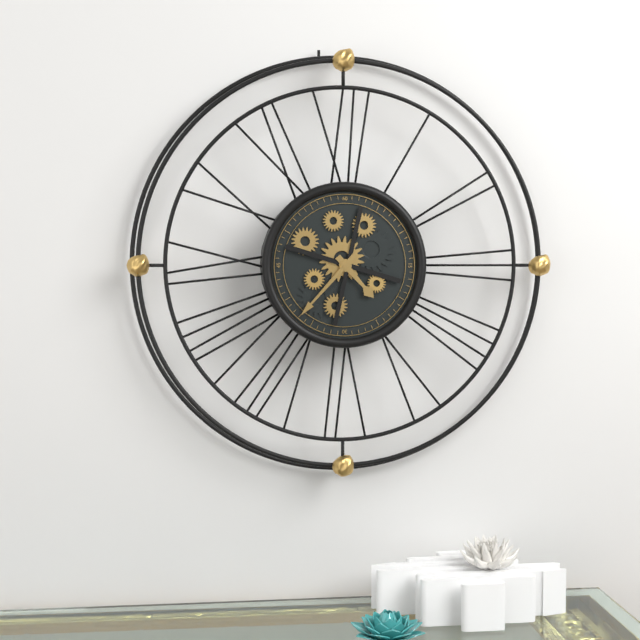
4:37
